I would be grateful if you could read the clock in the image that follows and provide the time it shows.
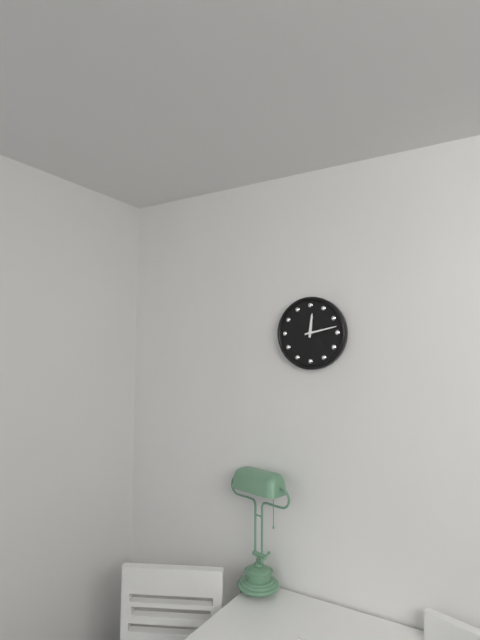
12:13
